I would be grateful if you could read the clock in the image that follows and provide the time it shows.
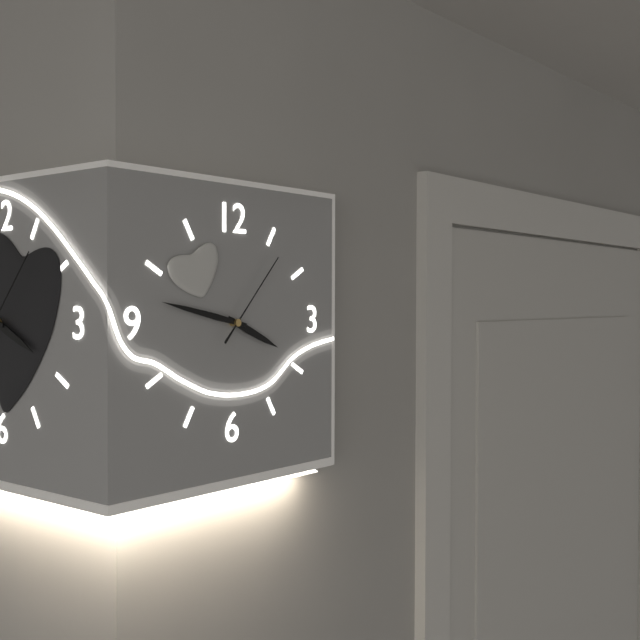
3:47:07
